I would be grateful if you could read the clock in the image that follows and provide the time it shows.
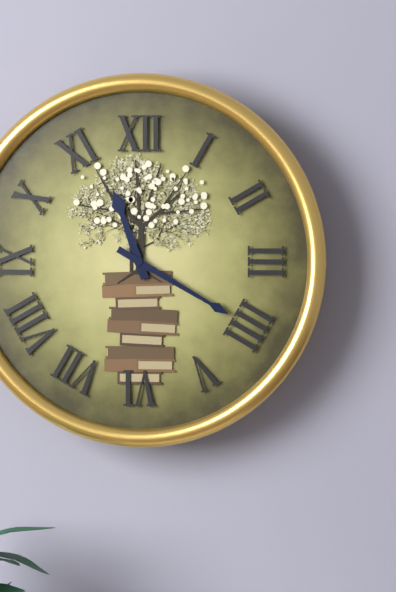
11:20
